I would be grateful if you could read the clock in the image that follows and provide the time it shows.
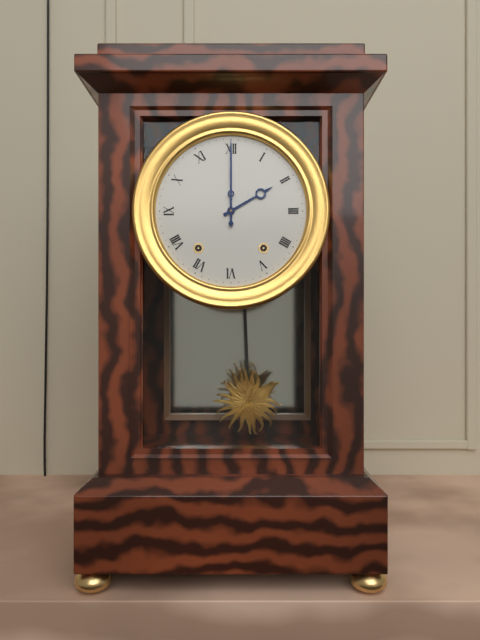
2:00
